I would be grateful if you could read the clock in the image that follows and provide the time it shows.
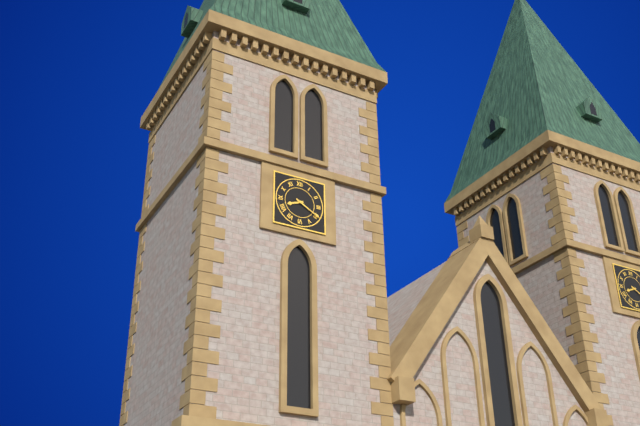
8:20
